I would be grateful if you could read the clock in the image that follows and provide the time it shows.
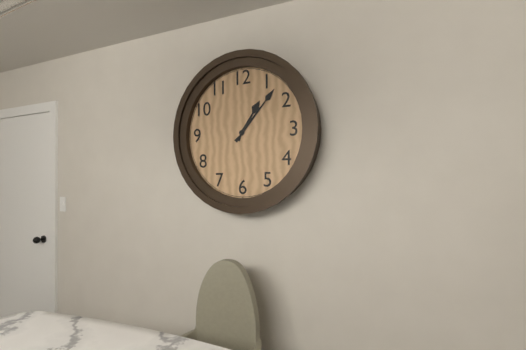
1:07
